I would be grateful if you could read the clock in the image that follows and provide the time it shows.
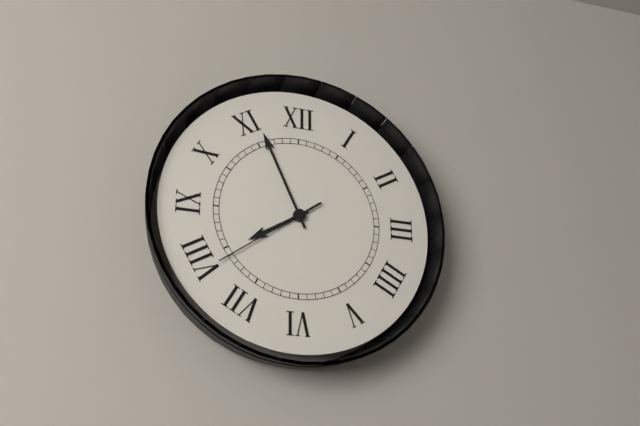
7:56:39
